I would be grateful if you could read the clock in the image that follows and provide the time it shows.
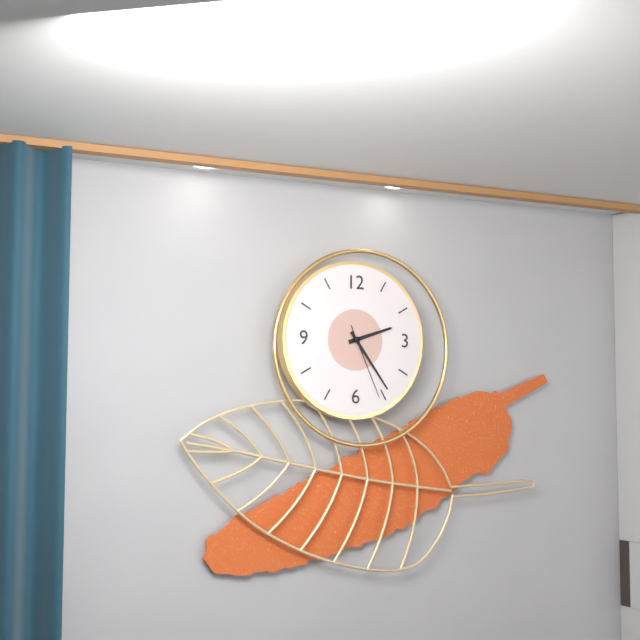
2:24:26
